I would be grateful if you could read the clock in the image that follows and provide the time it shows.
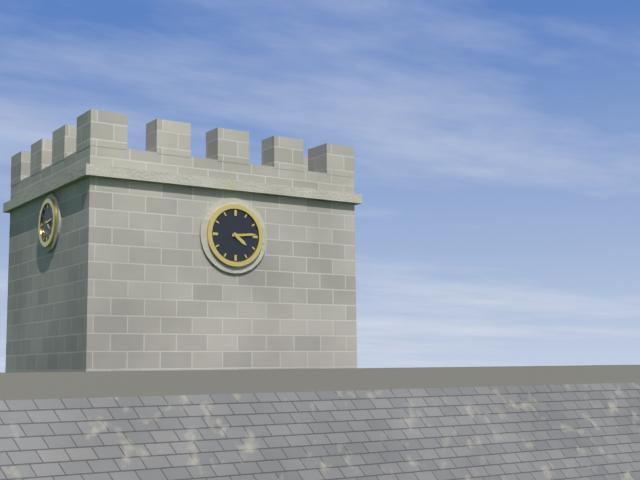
4:14
